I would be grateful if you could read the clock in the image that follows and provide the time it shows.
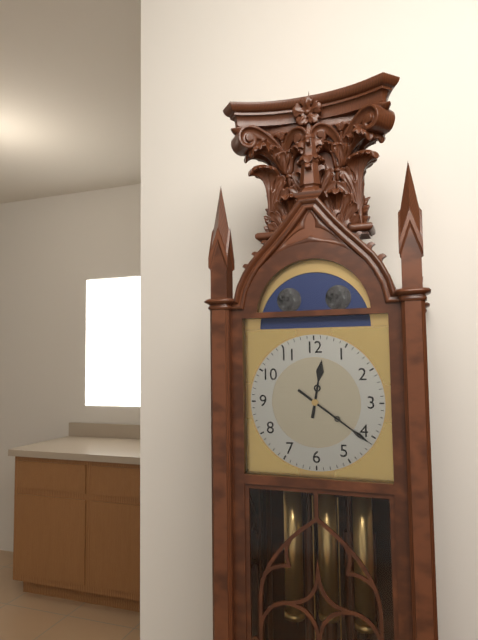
12:21
